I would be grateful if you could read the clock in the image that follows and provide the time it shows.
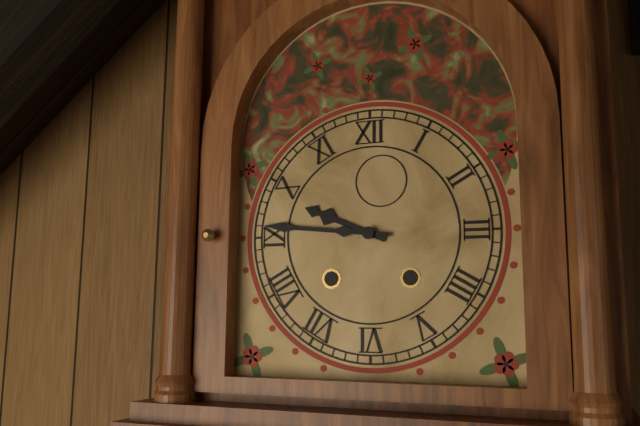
9:46
